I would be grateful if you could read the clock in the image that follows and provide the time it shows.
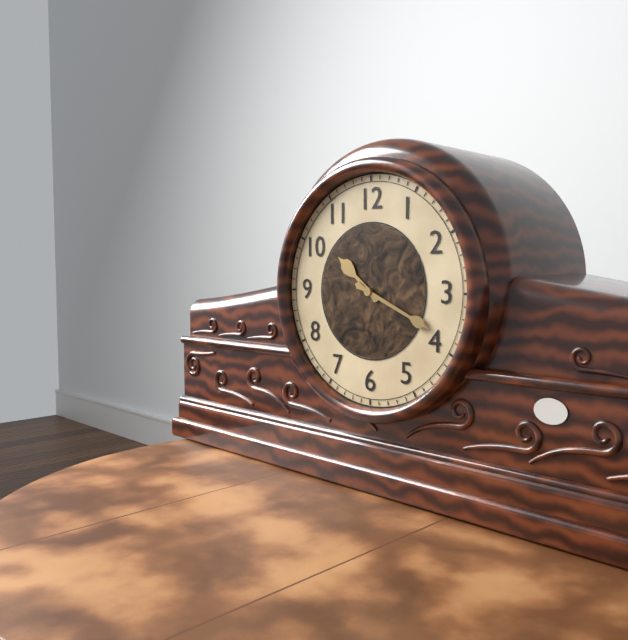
10:19
